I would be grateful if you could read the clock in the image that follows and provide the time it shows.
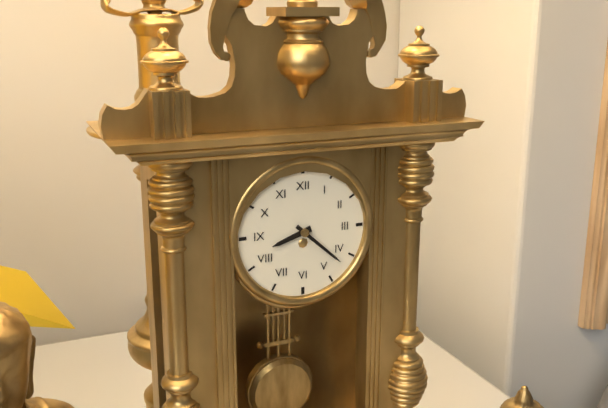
8:22
